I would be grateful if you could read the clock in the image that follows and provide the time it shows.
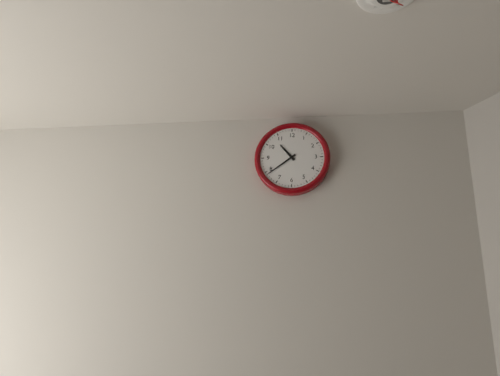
10:39
